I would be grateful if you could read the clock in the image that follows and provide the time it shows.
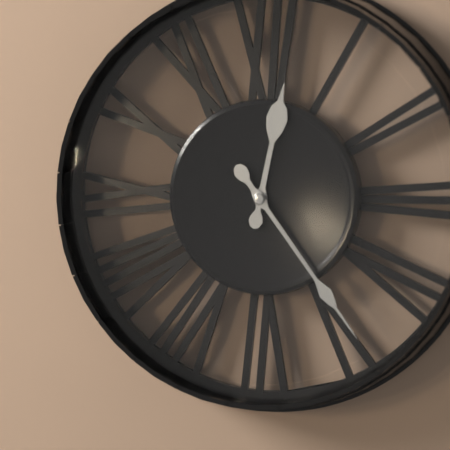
12:24
